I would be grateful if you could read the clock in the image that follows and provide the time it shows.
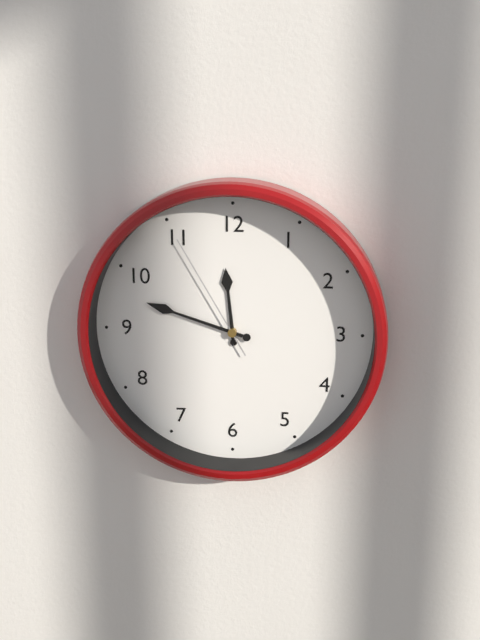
11:48:55
